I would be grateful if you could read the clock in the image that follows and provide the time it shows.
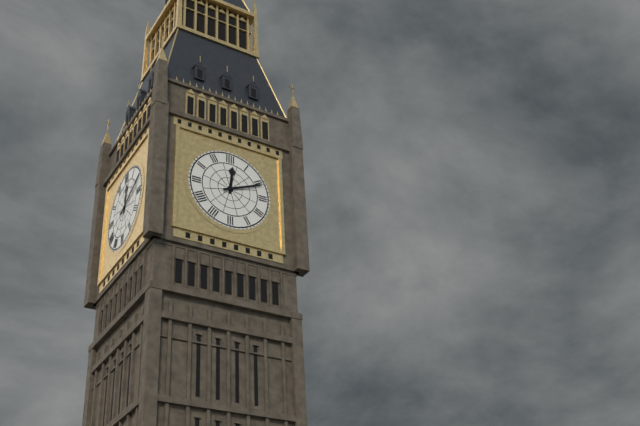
12:11
